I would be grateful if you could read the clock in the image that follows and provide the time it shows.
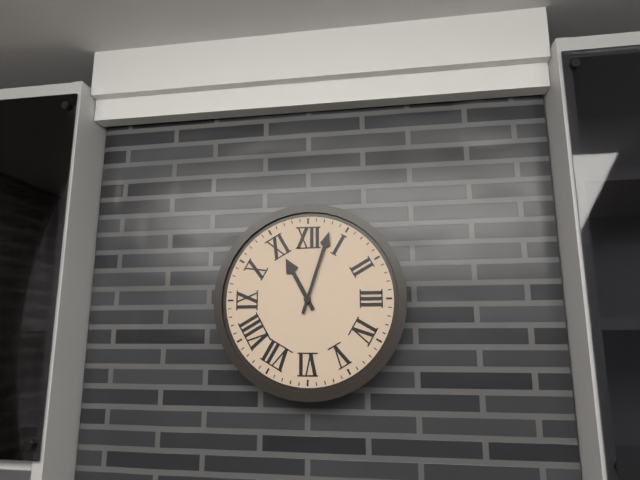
11:03
